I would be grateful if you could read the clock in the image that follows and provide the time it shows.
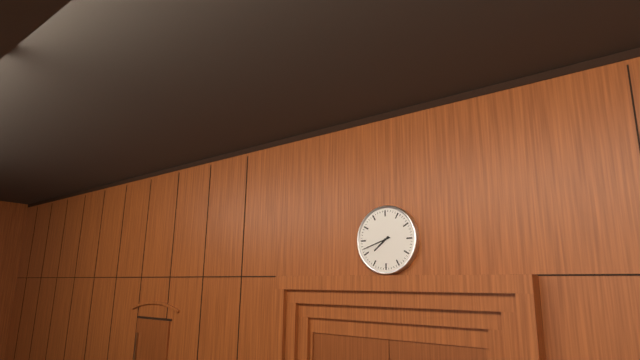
7:42
